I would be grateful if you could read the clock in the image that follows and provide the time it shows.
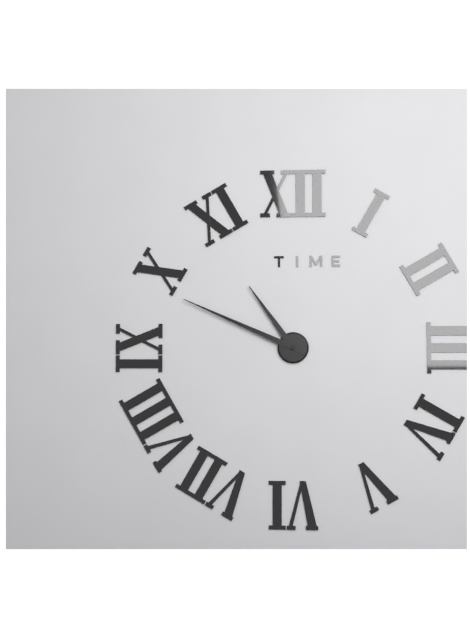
10:49
